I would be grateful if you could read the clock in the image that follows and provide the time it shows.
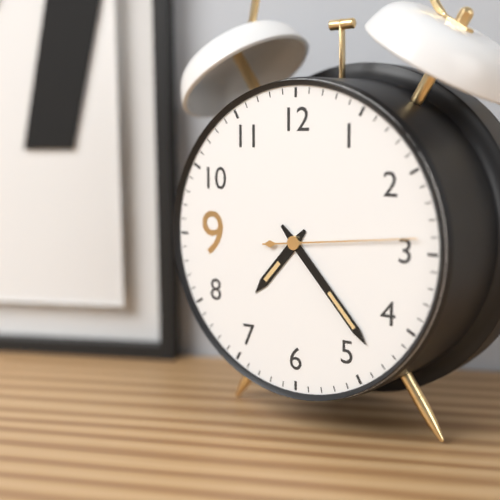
7:23:14
